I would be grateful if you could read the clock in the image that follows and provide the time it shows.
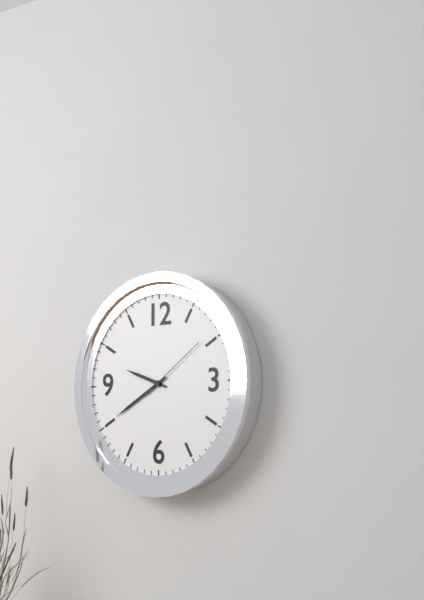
9:40:09
